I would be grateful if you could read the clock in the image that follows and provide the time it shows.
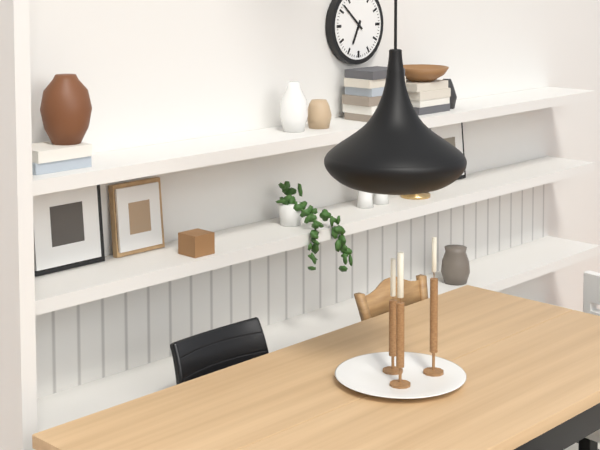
6:52
